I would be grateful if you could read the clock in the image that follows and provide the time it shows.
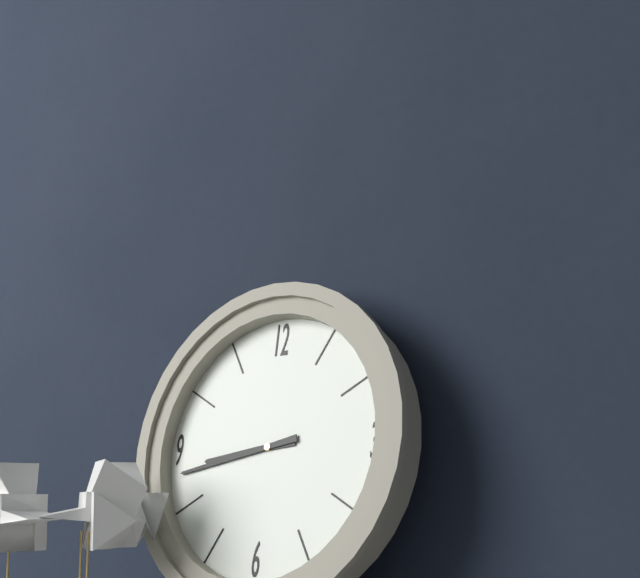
8:43
